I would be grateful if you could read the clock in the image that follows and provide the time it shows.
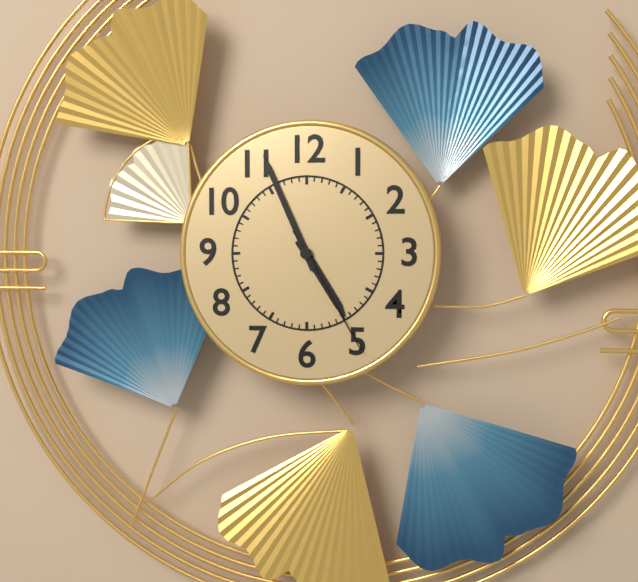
4:56:25
